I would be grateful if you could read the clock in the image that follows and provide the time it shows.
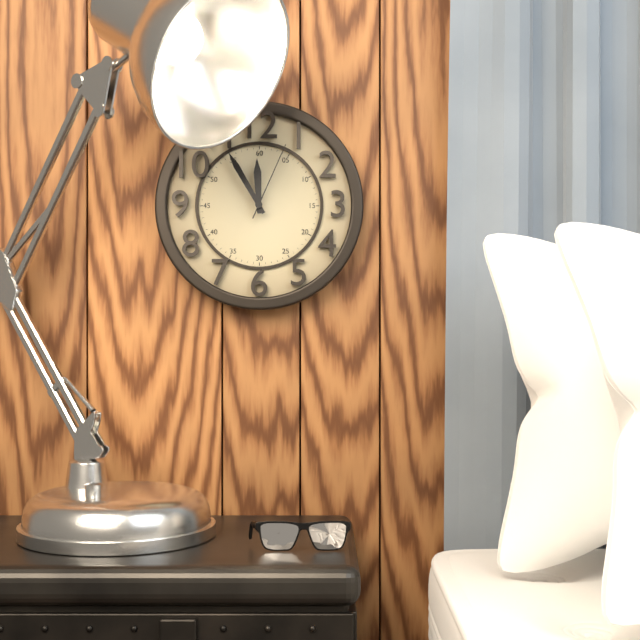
11:55:04
